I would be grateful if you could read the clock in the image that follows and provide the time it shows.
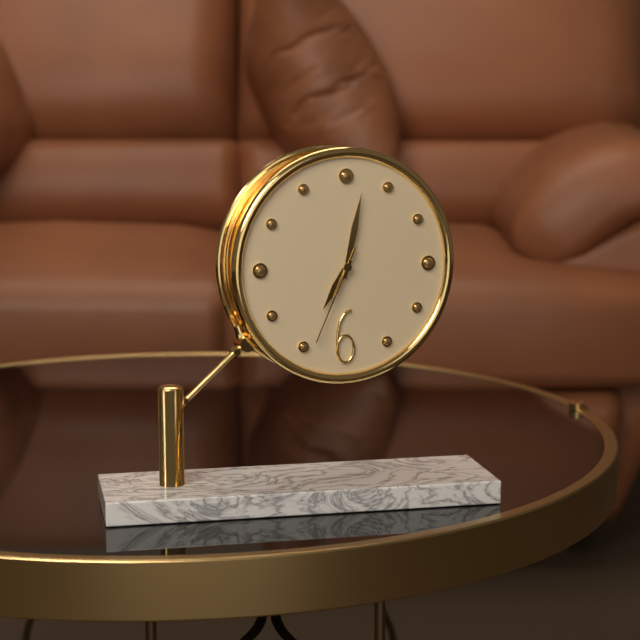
7:02:34
